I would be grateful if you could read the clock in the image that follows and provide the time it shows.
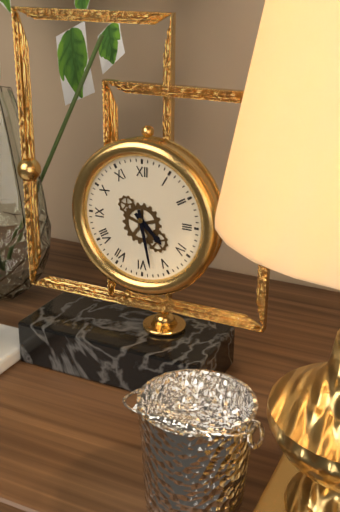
4:28
